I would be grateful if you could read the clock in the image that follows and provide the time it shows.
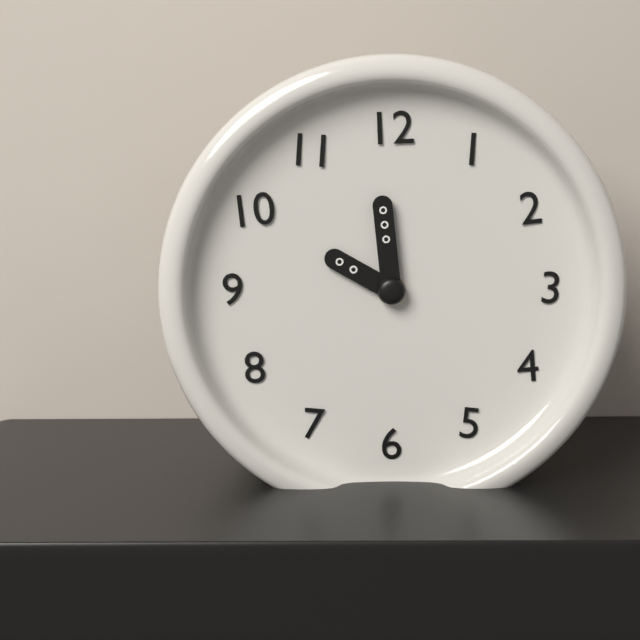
9:59
